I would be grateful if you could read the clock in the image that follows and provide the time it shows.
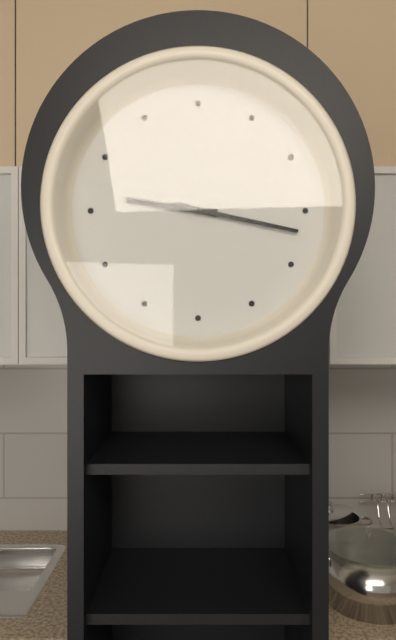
9:17
